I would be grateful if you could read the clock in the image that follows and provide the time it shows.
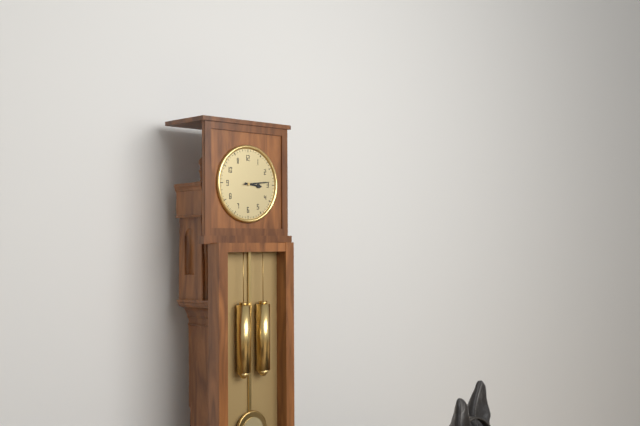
3:14
